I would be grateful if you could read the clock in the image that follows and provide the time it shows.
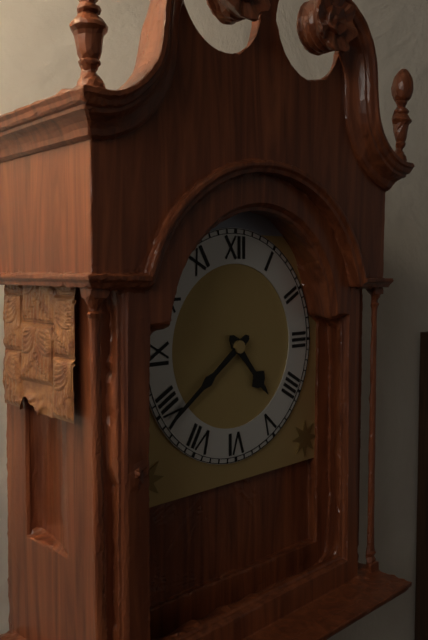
4:39
